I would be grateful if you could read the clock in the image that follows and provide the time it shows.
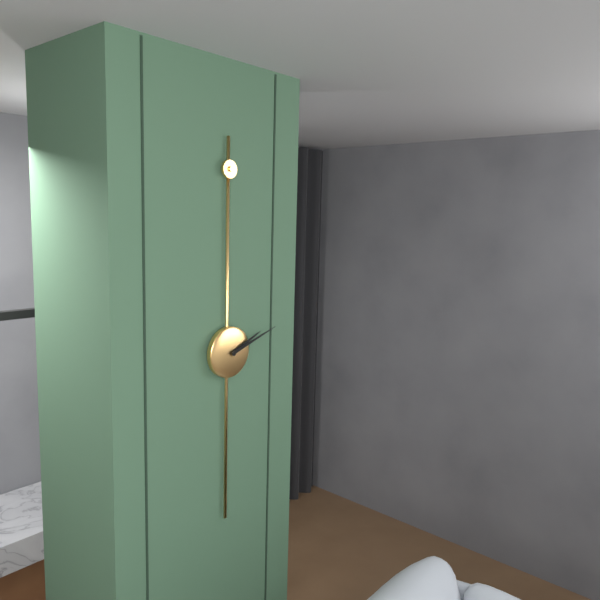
2:12
